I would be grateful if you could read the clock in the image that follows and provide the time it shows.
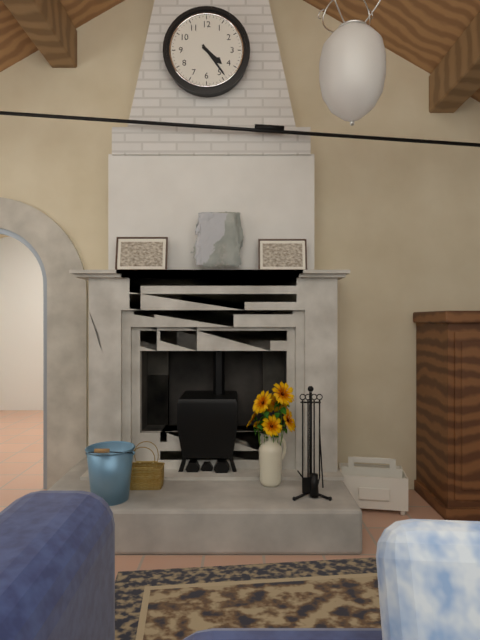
4:24
